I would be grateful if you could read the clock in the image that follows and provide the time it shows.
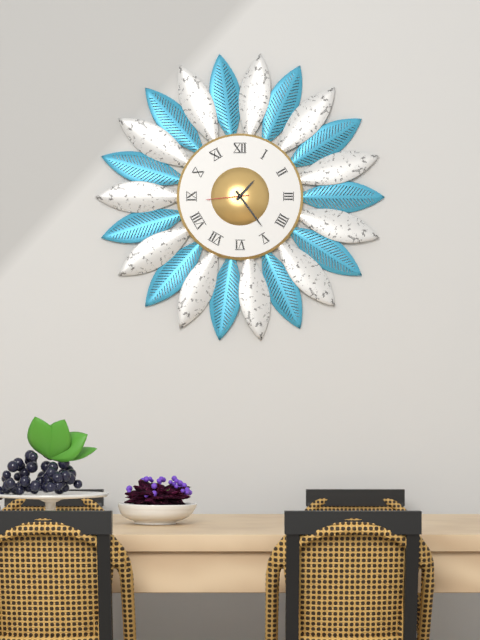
1:24
